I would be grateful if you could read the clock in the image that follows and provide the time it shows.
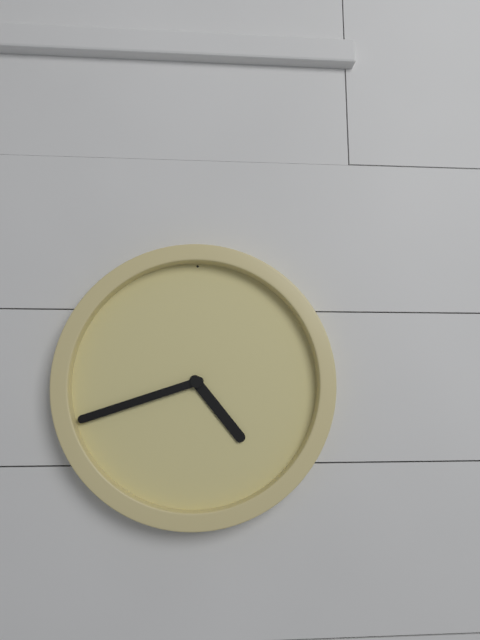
4:42
